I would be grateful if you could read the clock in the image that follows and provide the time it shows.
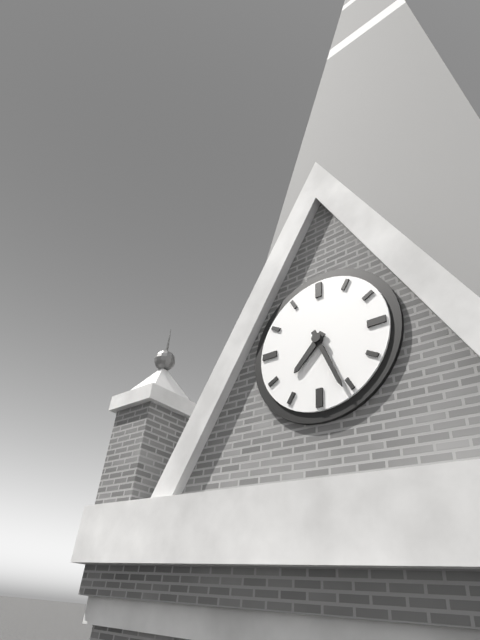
7:26
